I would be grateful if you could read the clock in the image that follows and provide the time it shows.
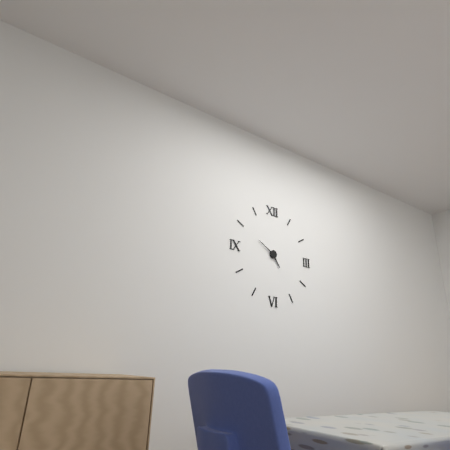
4:50
